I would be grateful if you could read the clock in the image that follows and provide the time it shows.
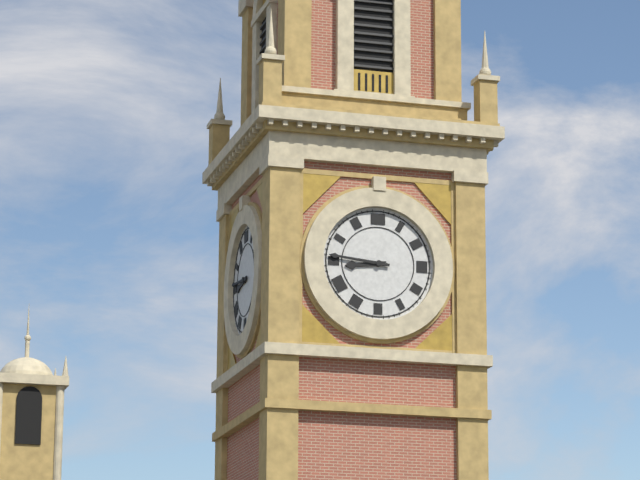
8:46
